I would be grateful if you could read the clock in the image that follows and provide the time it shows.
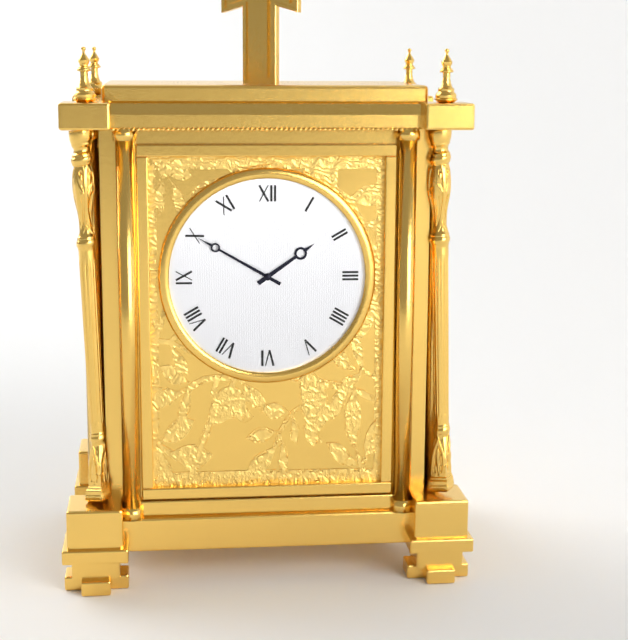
1:50
